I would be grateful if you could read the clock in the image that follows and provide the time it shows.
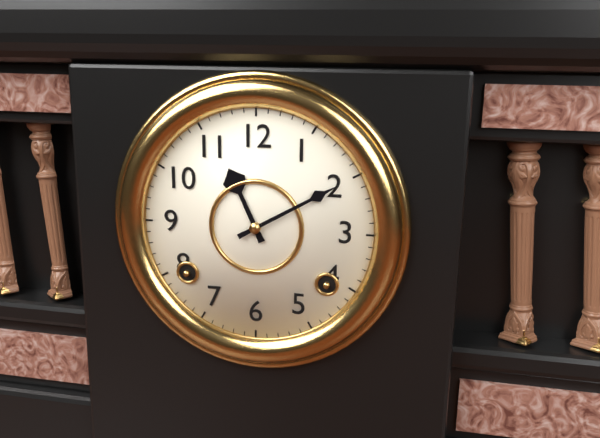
11:10
